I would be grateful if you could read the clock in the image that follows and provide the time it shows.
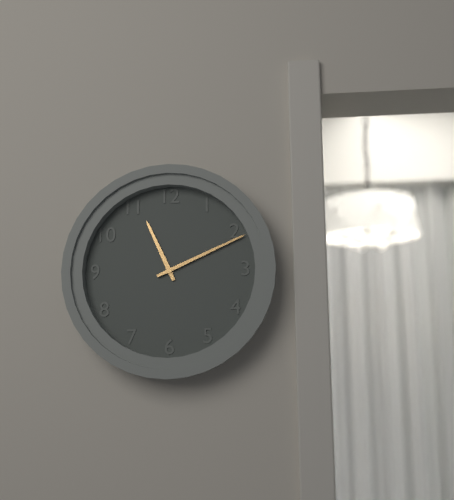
11:11
